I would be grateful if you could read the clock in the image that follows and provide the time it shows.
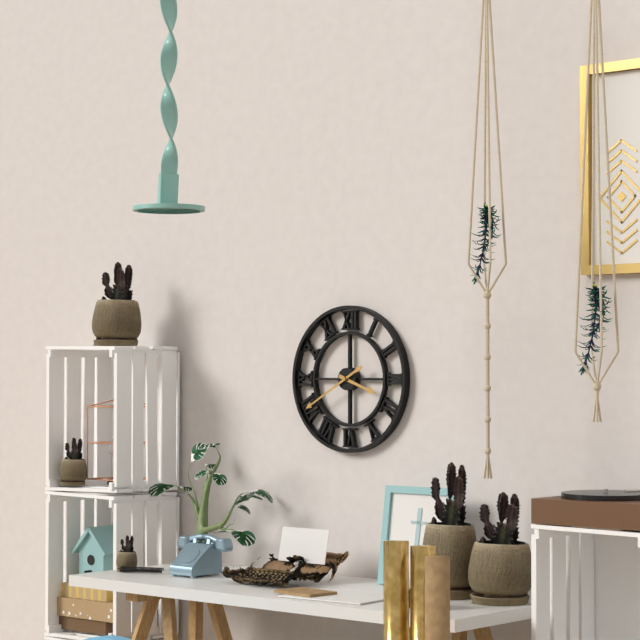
3:40
